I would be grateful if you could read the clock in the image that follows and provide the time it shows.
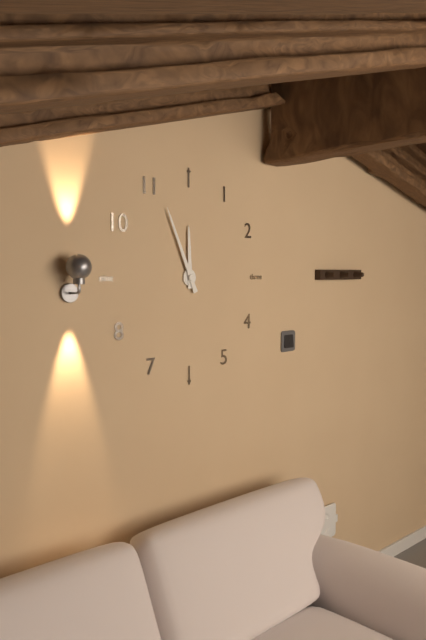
11:56
